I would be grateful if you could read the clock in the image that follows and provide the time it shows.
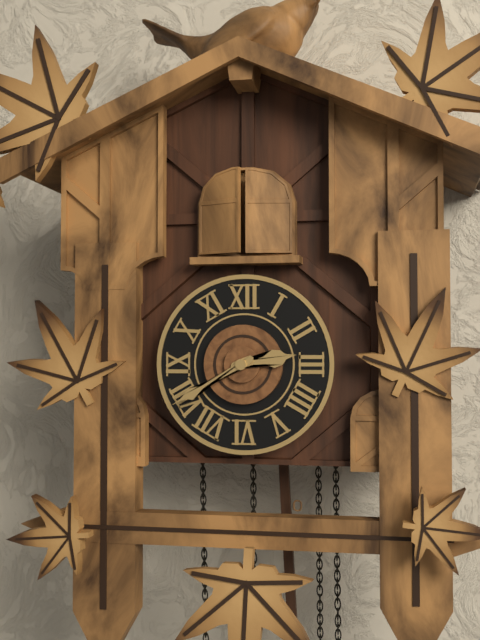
2:40
